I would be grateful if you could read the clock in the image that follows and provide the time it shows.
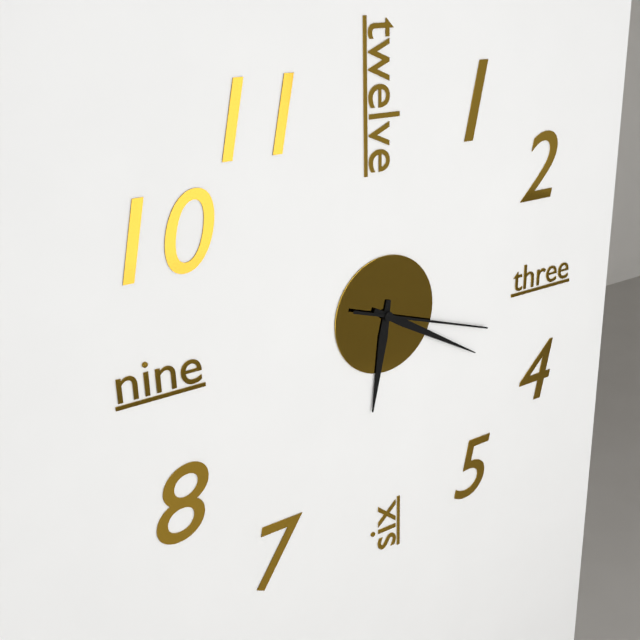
6:20:18
